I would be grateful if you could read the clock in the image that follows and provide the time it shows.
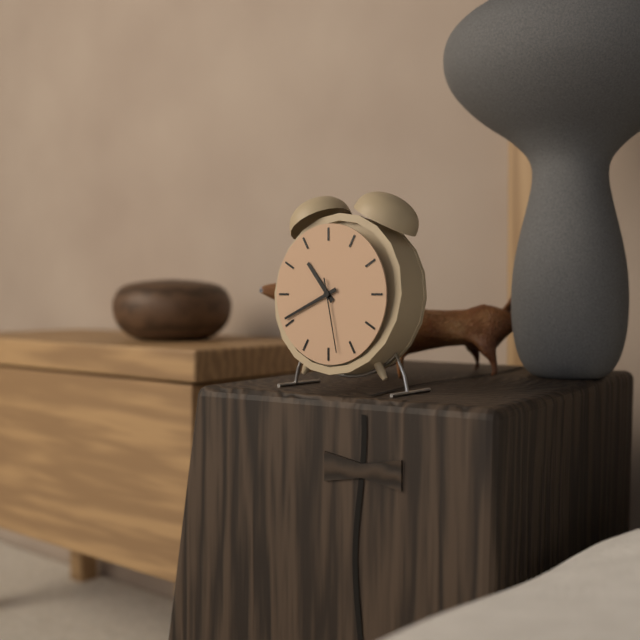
10:41:28
